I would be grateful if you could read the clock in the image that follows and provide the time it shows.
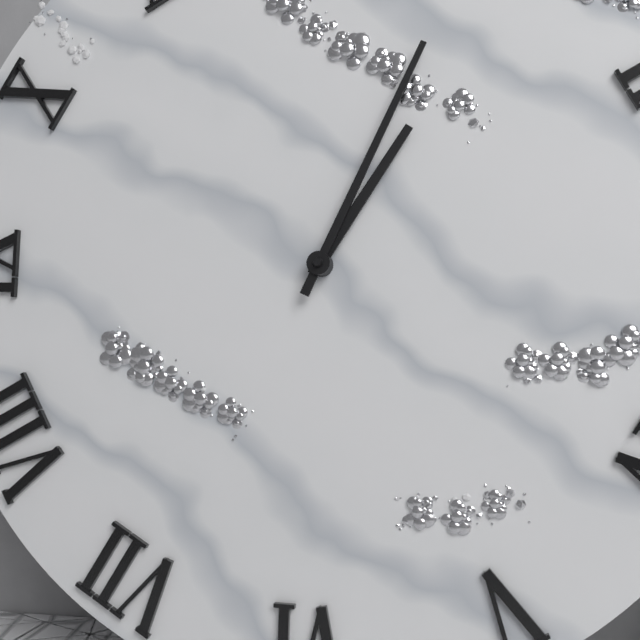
1:04
